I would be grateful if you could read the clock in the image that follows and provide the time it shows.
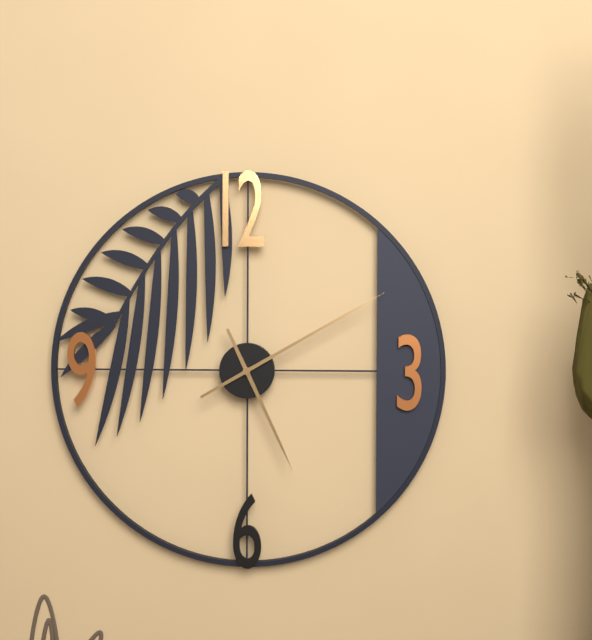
5:10
